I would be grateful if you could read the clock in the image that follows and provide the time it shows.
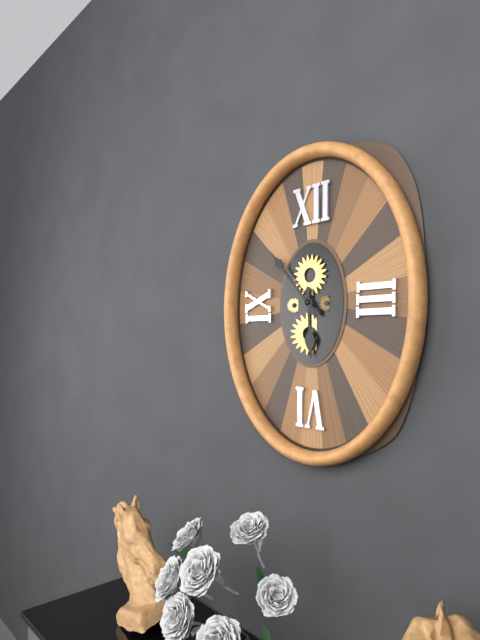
5:53
